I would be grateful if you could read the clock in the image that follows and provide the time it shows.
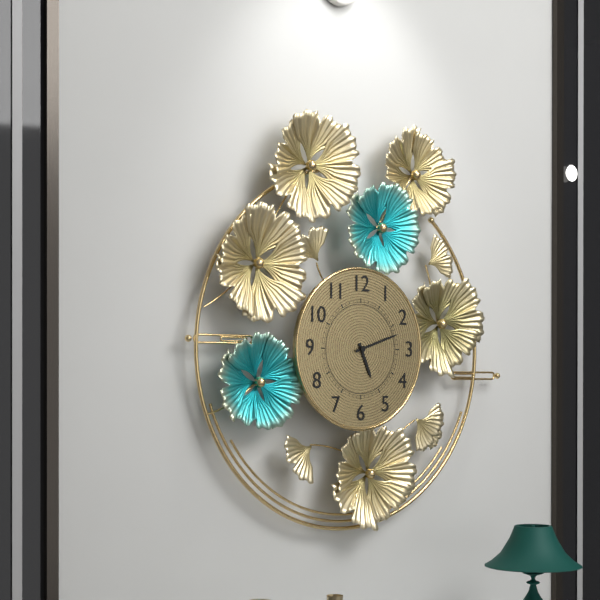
5:12
